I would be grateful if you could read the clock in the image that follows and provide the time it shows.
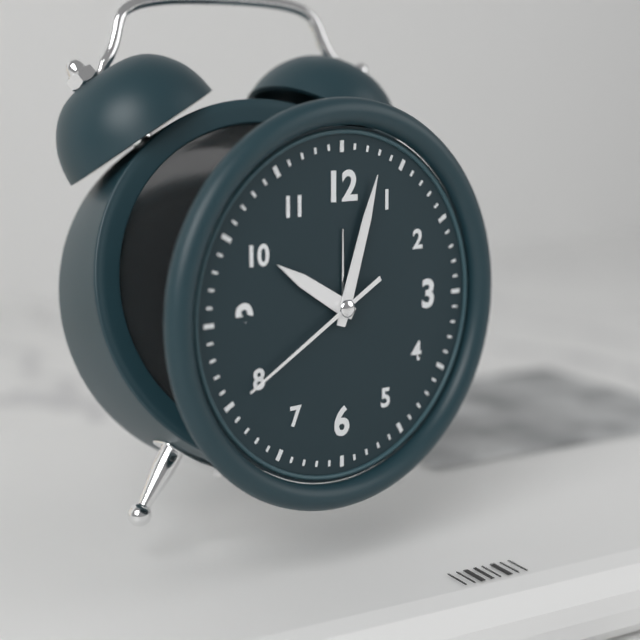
10:03:40
